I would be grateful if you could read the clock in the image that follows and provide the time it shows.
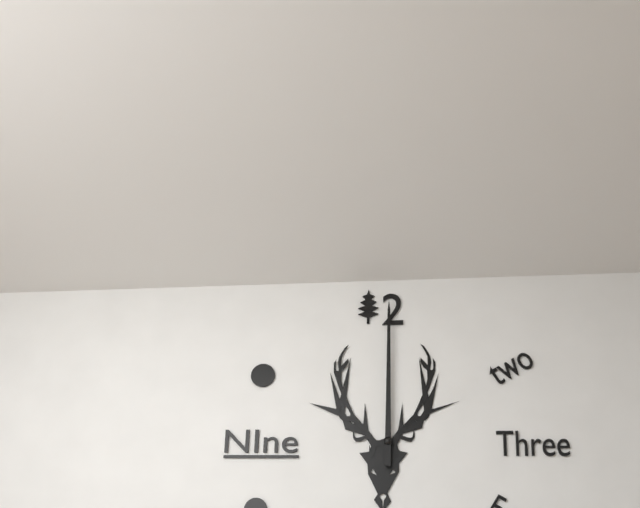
12:00
